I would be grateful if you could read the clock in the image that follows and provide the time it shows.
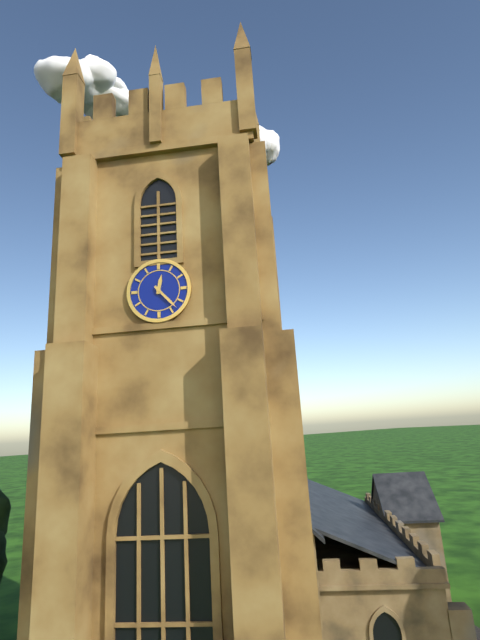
12:23
